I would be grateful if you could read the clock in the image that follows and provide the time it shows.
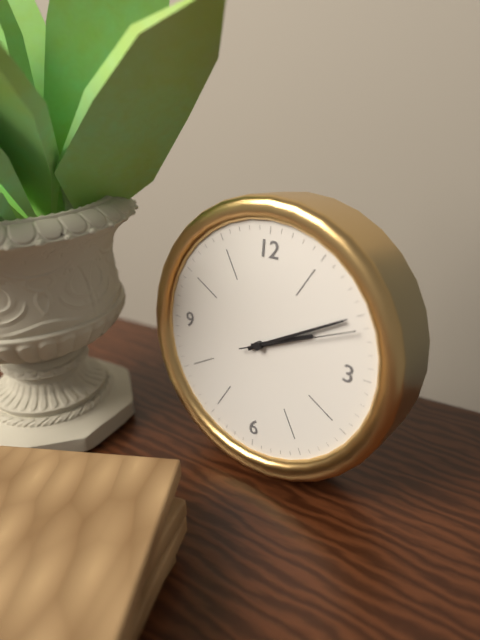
2:10:11
